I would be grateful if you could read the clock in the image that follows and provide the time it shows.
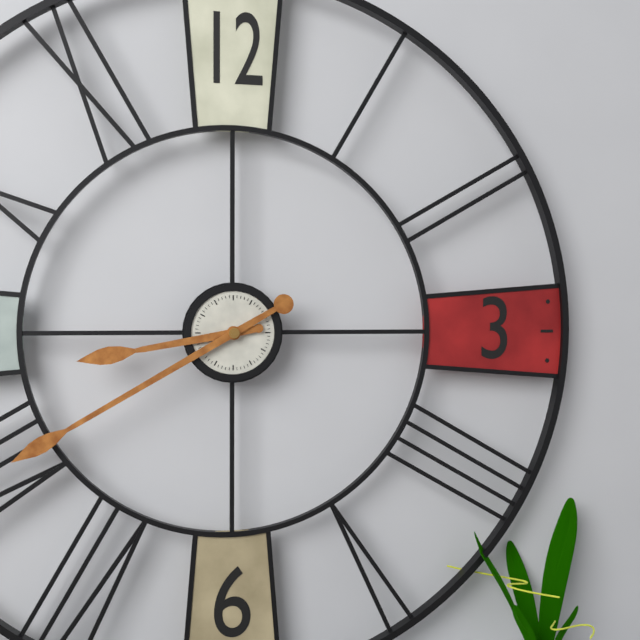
8:40
